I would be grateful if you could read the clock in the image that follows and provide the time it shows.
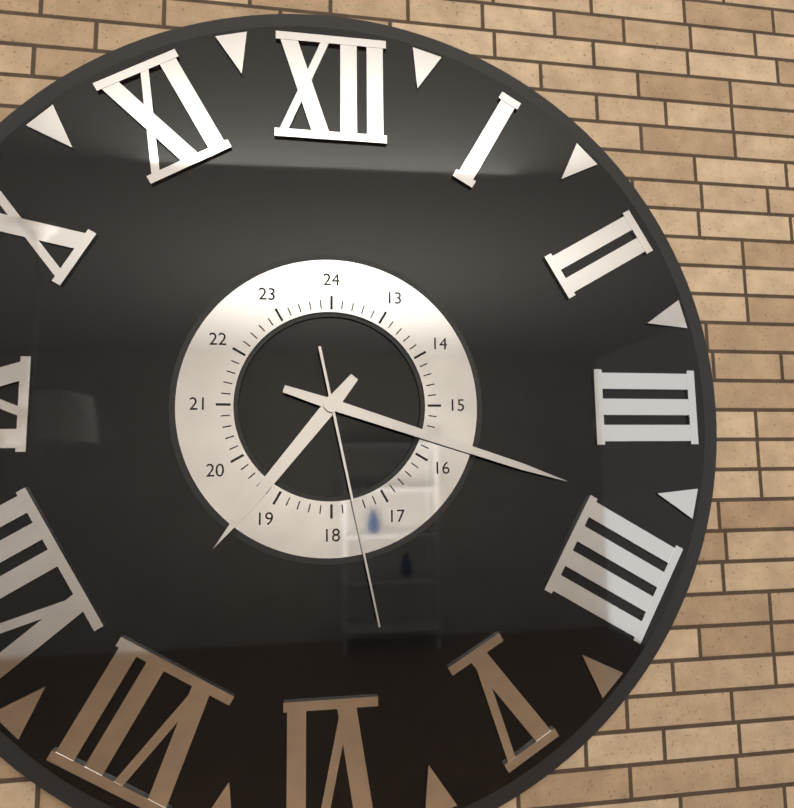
7:18:28
